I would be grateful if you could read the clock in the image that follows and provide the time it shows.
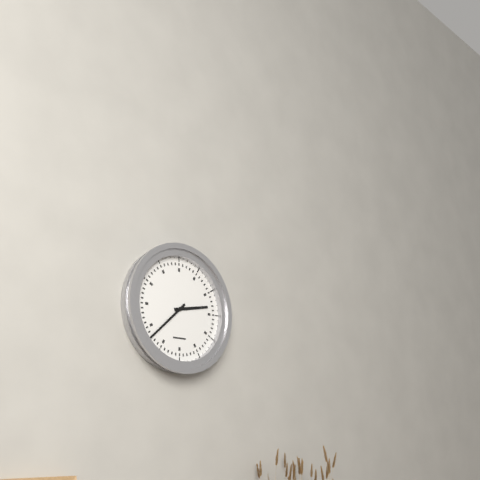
2:38
